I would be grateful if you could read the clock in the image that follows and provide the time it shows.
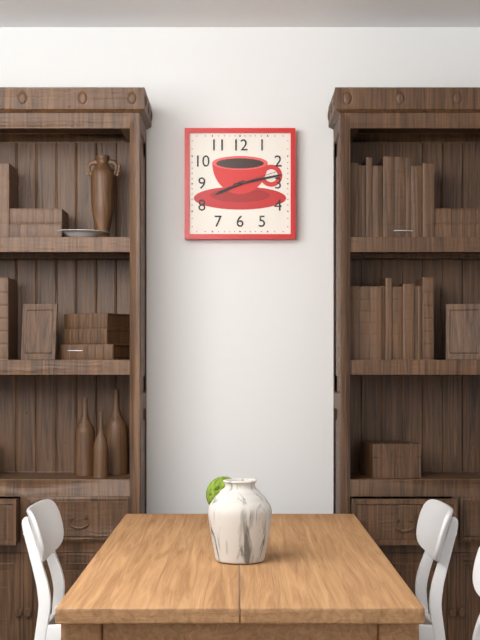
8:13:12
